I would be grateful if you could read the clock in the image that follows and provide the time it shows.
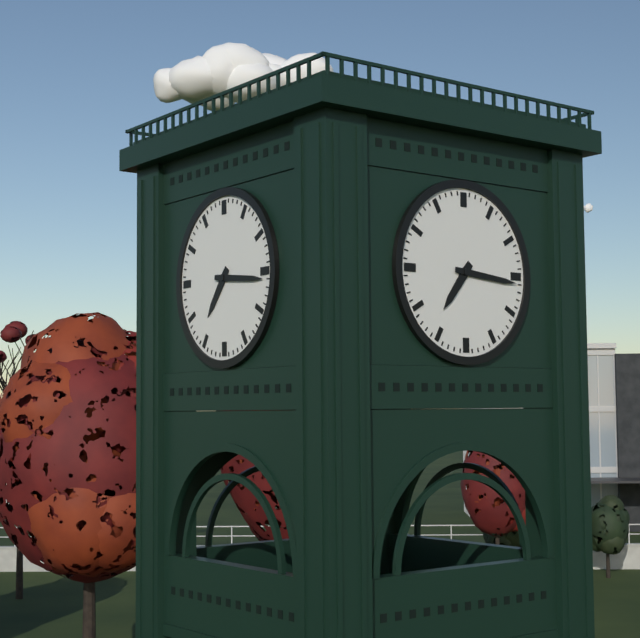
7:16
